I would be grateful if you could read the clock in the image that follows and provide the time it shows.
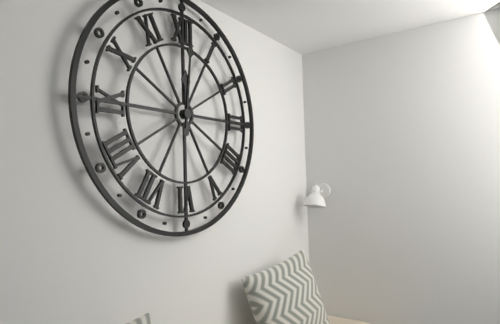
12:01
